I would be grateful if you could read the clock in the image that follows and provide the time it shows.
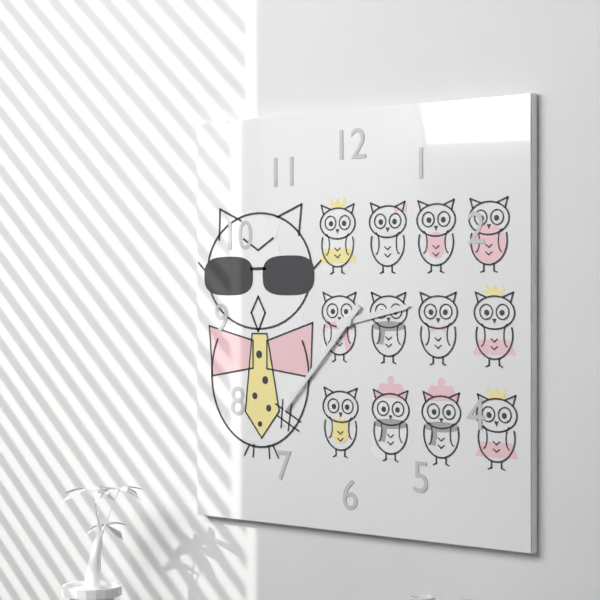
2:37
